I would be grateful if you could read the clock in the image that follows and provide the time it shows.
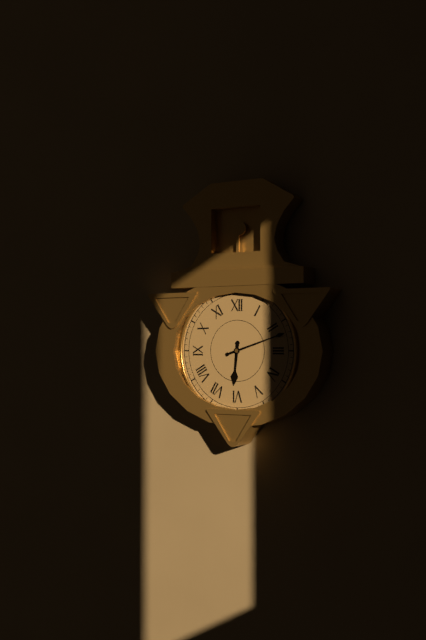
6:12
